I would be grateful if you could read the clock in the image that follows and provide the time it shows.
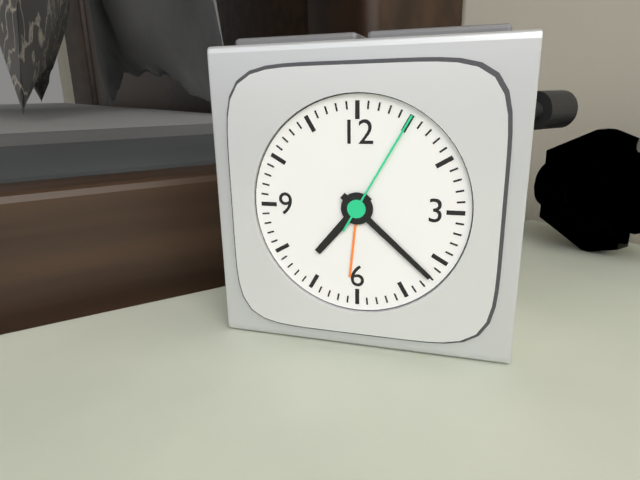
7:22:05
